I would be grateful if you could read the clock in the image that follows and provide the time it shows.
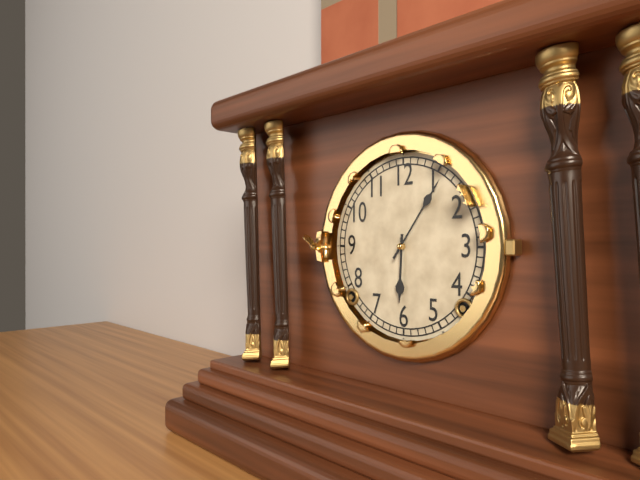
6:06
